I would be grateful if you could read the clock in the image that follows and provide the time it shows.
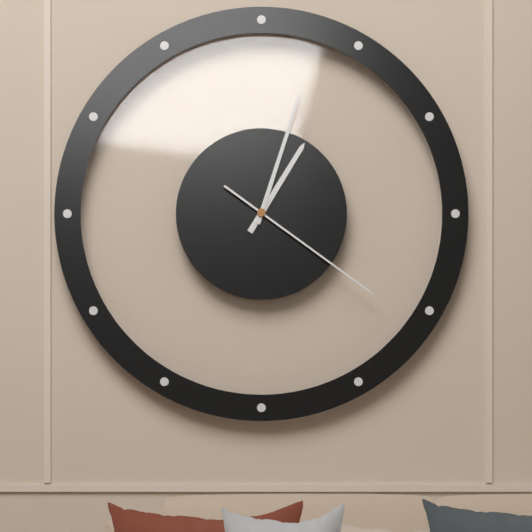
1:03:21
